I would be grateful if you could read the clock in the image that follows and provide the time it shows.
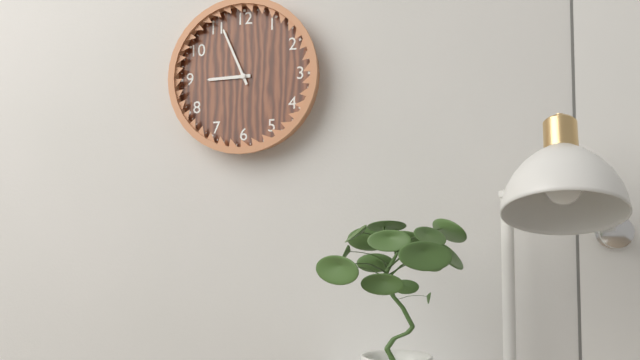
8:56
